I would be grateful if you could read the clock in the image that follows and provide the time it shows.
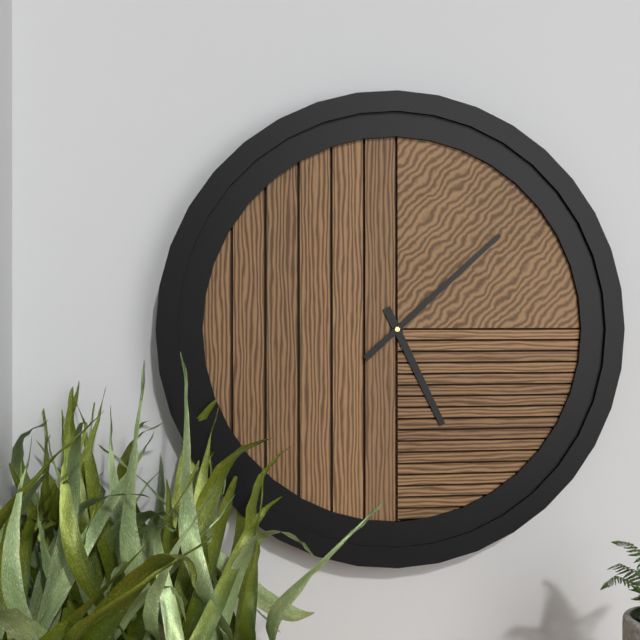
5:08
